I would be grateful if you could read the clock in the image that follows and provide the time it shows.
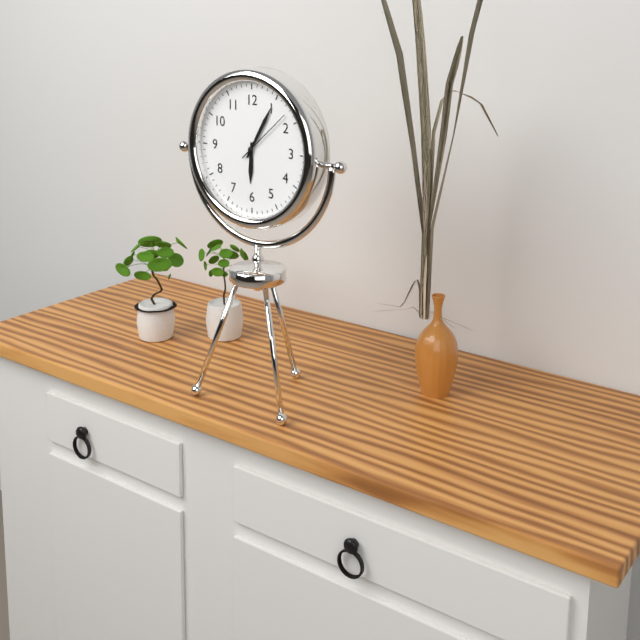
6:05:08
